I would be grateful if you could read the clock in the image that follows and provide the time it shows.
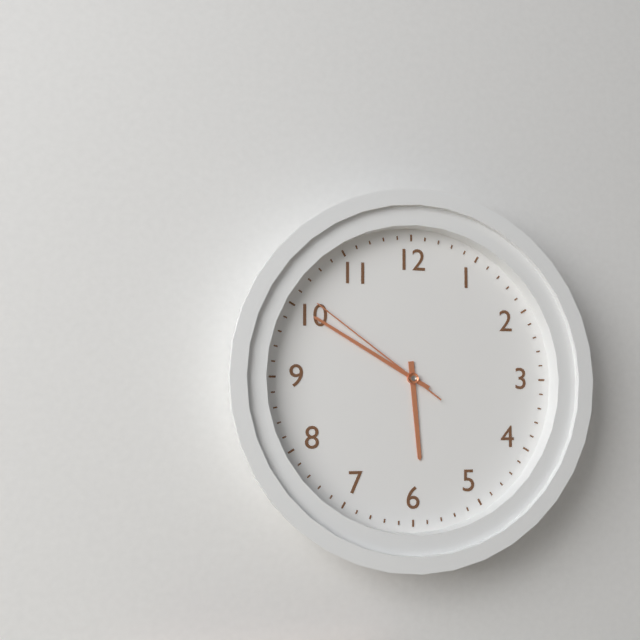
5:50:51
